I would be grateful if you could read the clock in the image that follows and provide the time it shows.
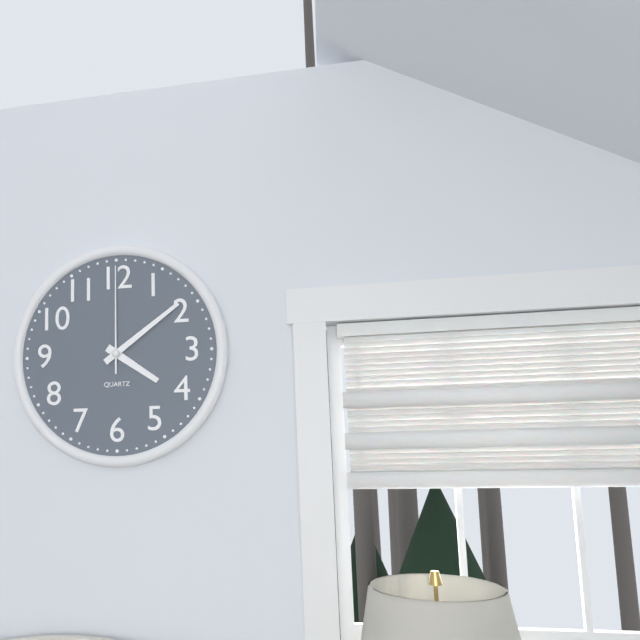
4:09:00
